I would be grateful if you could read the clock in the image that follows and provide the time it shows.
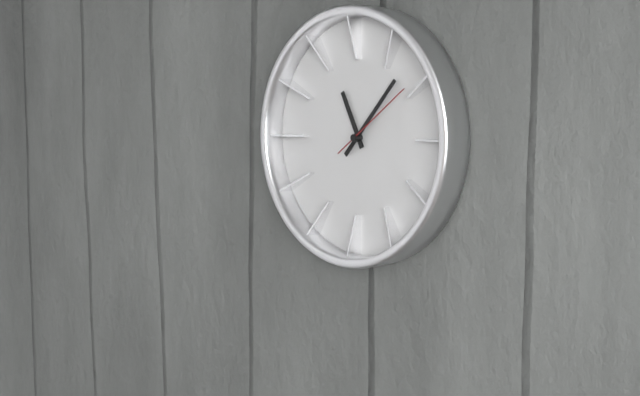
11:07:09
